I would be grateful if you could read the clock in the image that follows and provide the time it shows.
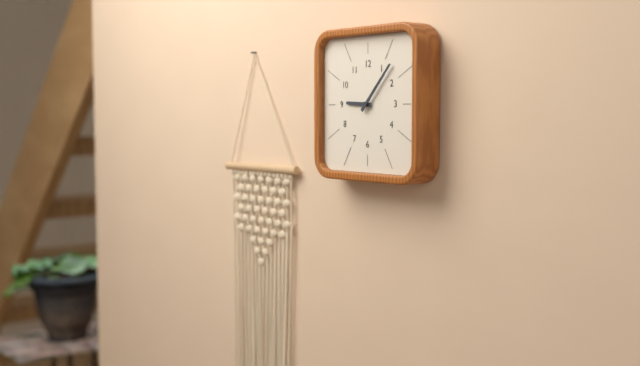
9:07
